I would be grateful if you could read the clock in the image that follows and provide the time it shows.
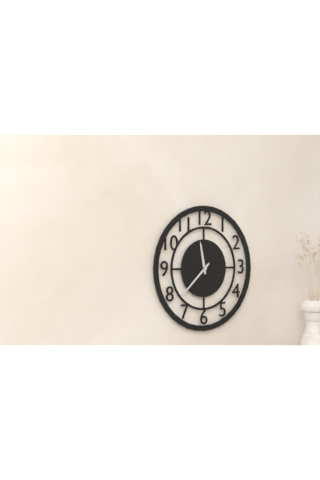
11:38
